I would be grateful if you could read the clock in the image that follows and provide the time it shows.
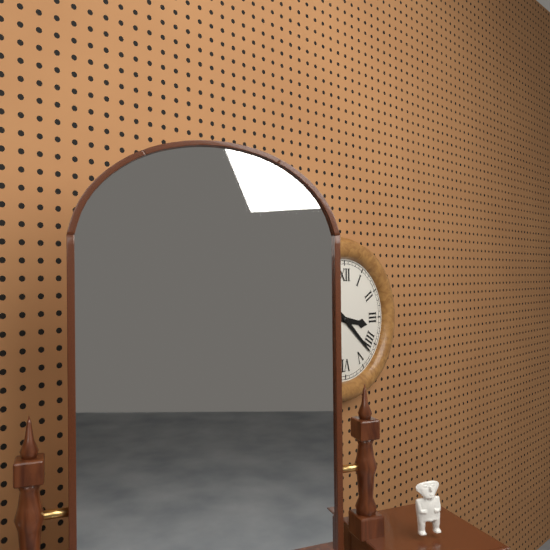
3:22
